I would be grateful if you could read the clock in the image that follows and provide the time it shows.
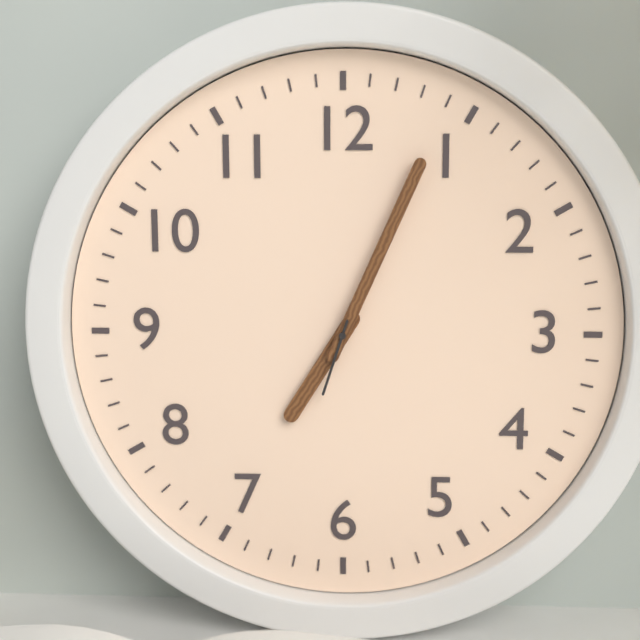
7:04:33
